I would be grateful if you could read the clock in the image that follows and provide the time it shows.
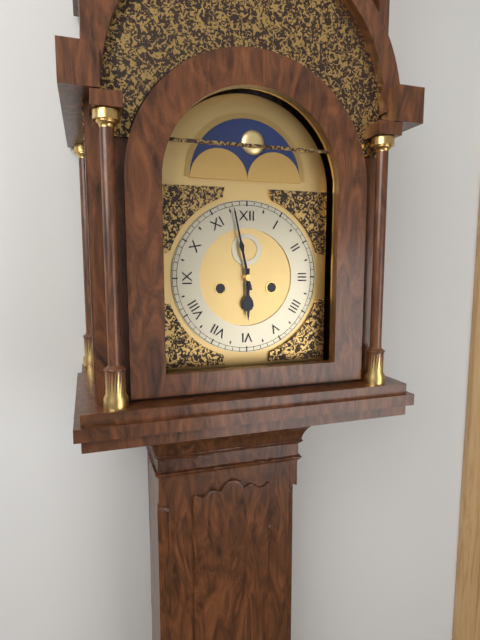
5:58
